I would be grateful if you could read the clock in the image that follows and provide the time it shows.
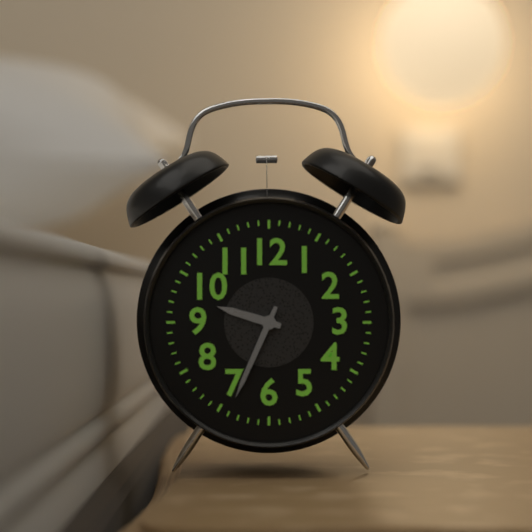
9:34
